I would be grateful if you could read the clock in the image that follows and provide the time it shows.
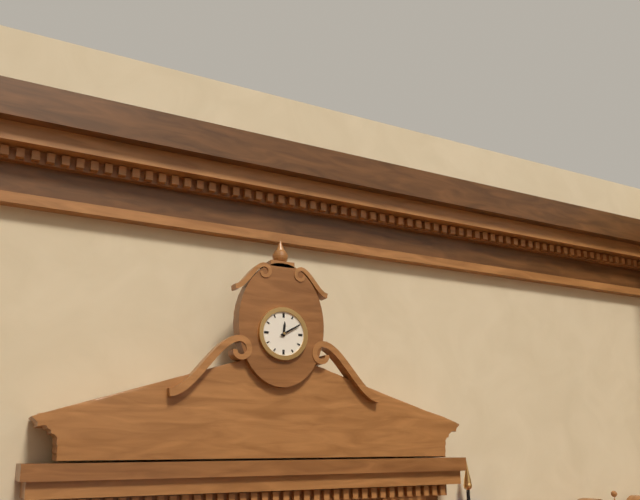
12:10
